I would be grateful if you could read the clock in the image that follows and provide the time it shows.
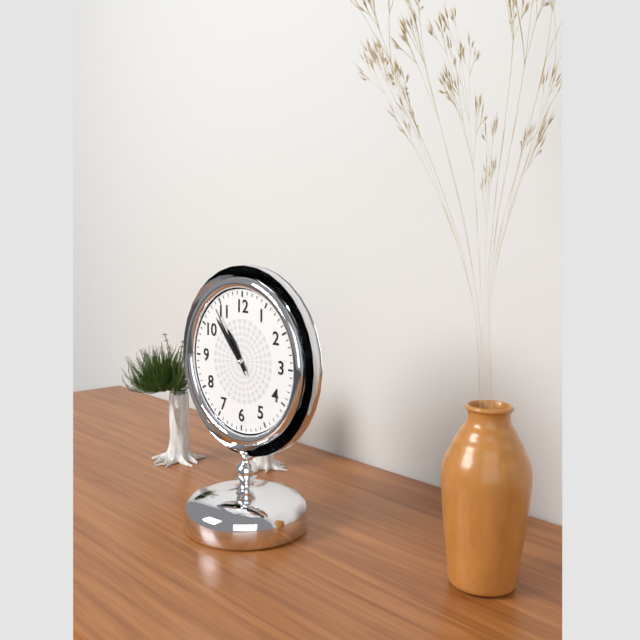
10:53:54
